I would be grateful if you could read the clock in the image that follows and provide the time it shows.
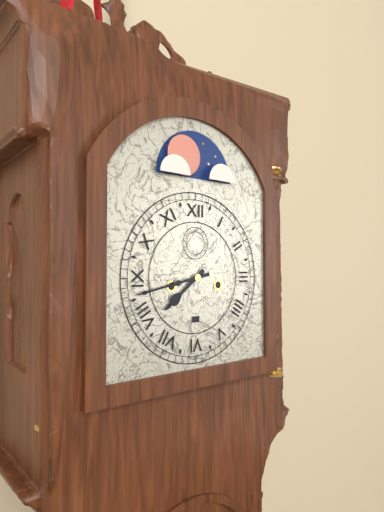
7:43
